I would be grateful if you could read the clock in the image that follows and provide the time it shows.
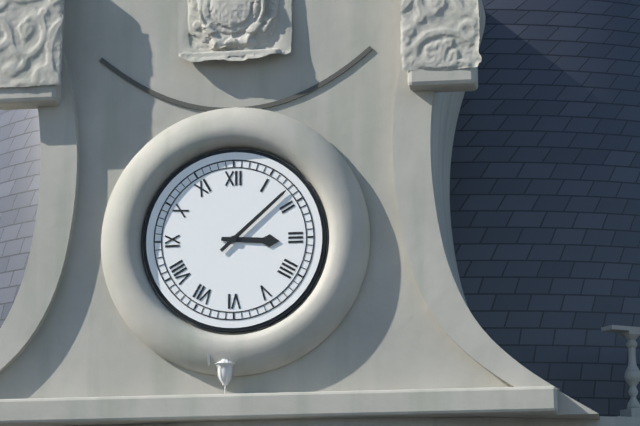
3:08
